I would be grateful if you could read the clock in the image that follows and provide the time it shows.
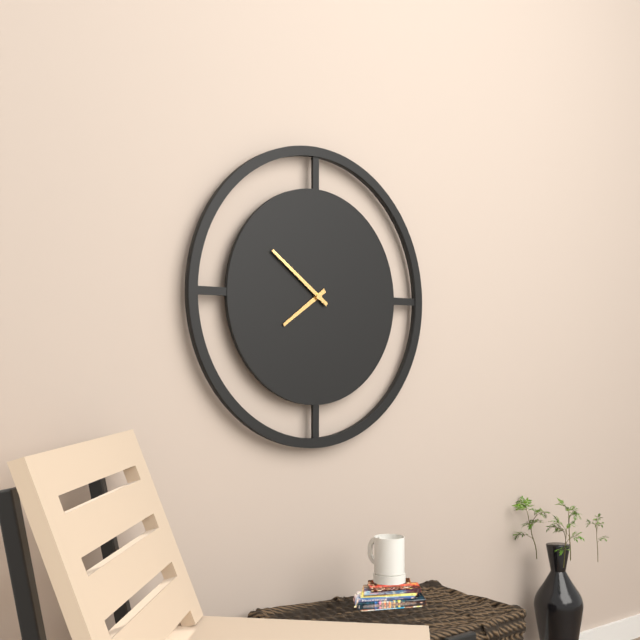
7:51
